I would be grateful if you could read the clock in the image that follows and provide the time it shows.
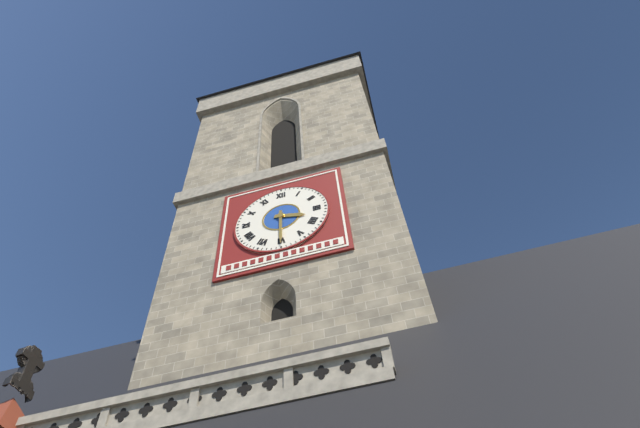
3:30
